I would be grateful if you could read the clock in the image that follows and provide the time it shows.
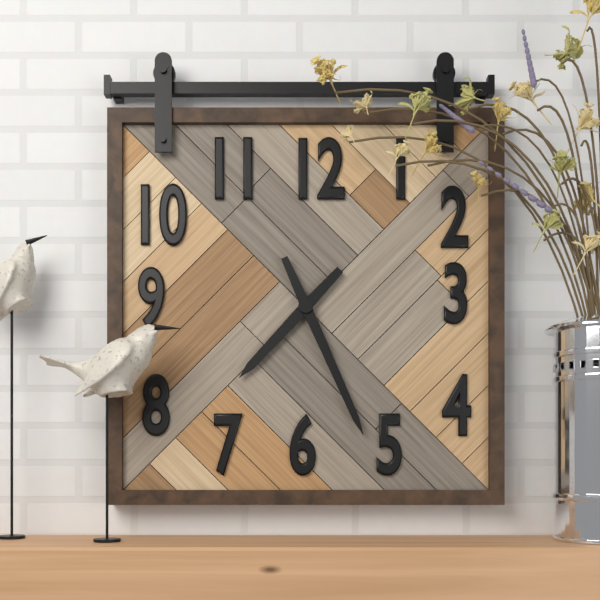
7:26
